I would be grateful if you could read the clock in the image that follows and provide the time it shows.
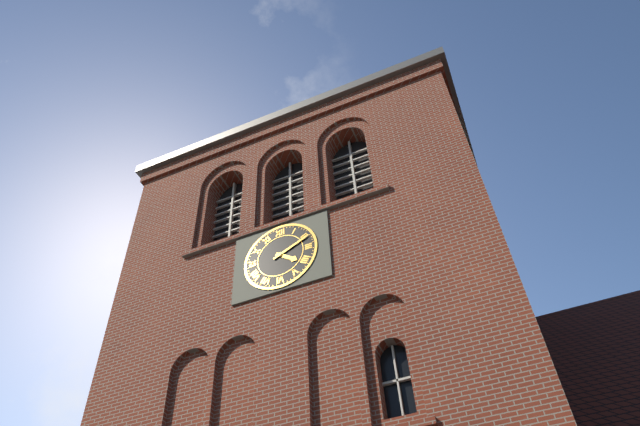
4:11
